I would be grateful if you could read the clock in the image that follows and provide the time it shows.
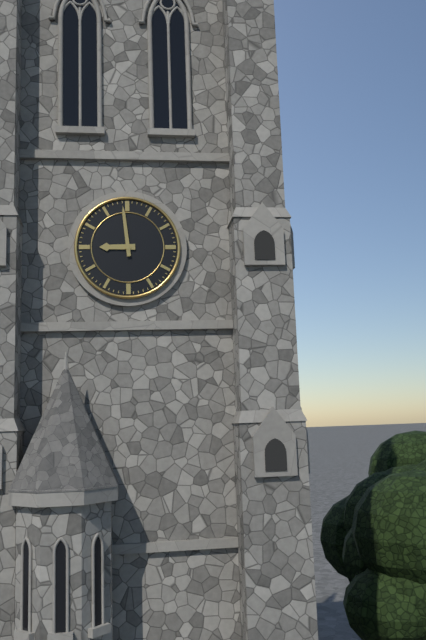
8:59
